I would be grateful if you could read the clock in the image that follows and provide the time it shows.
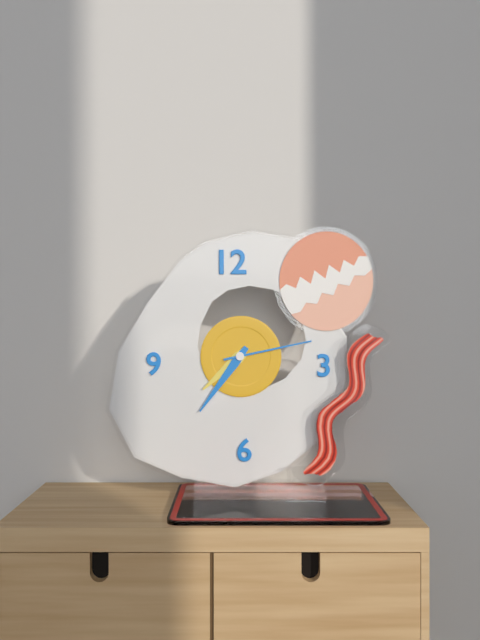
7:36:13
